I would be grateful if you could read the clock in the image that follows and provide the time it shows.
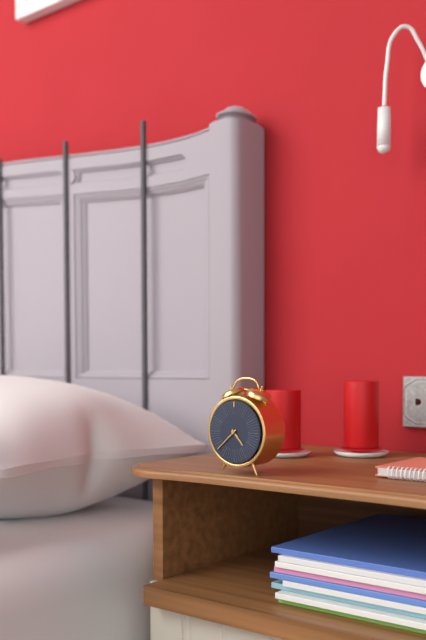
4:38
